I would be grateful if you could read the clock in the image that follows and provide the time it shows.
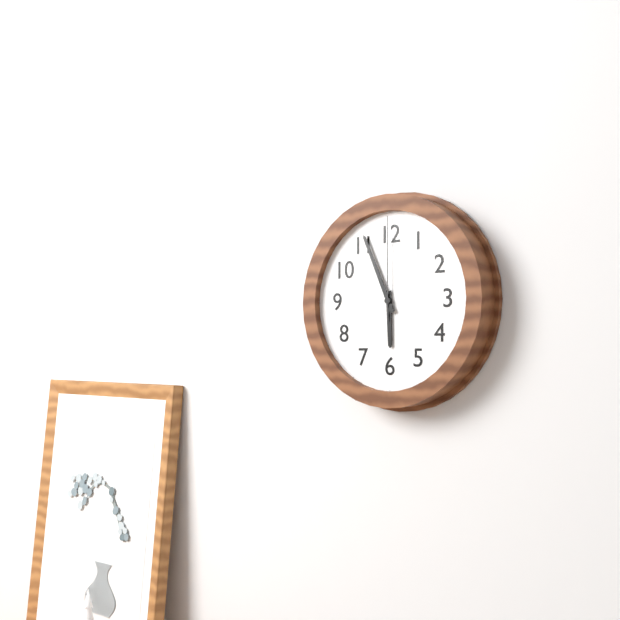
5:56:00
